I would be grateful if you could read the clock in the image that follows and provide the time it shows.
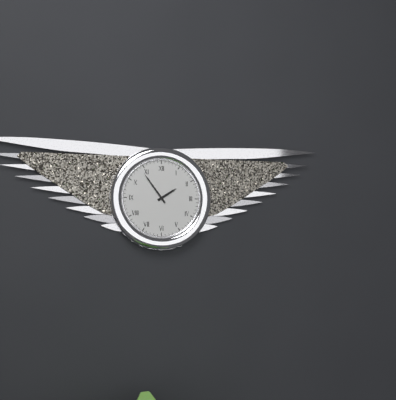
1:54
